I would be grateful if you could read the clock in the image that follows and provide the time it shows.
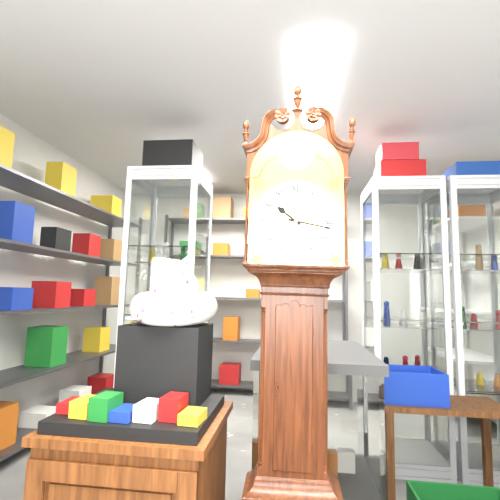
10:17
